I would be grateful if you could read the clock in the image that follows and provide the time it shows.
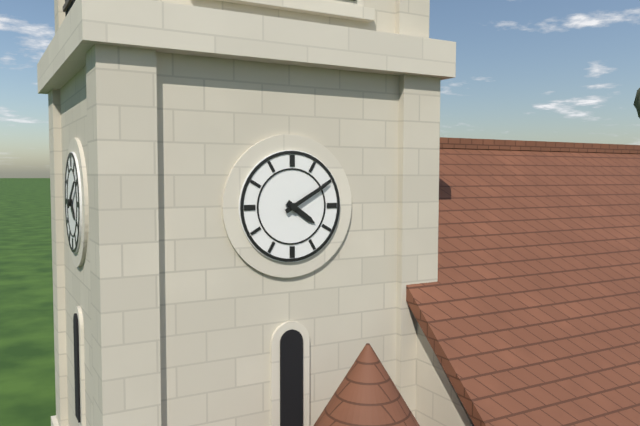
4:10
